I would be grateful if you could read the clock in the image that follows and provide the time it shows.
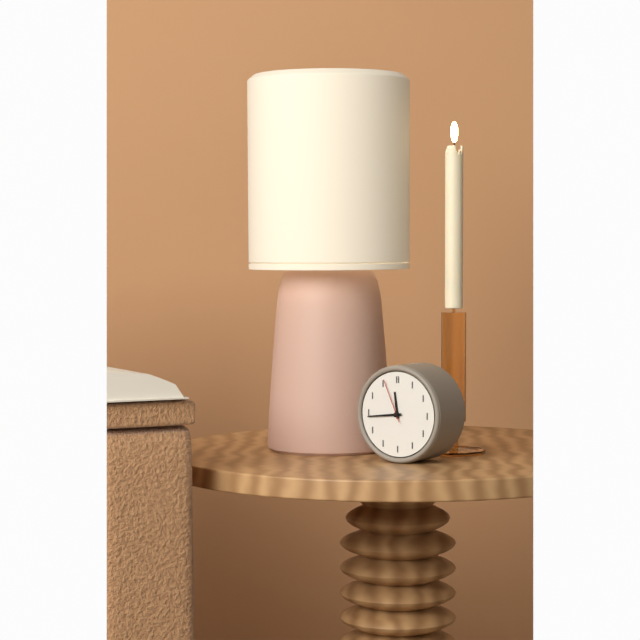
11:44
